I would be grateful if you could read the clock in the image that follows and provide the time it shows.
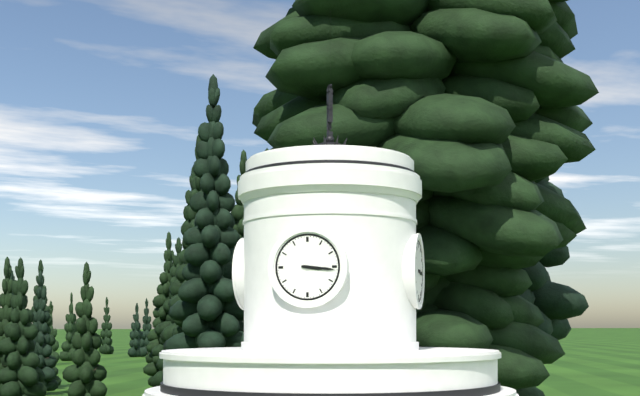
3:16
